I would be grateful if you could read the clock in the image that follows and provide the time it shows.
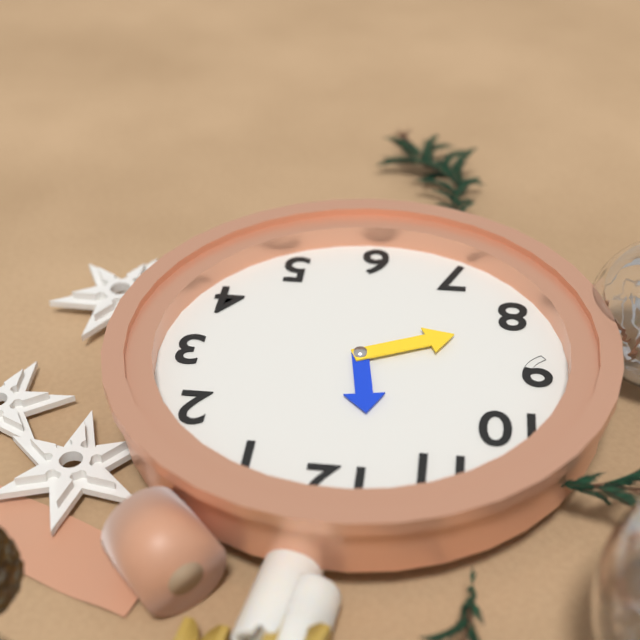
11:41
